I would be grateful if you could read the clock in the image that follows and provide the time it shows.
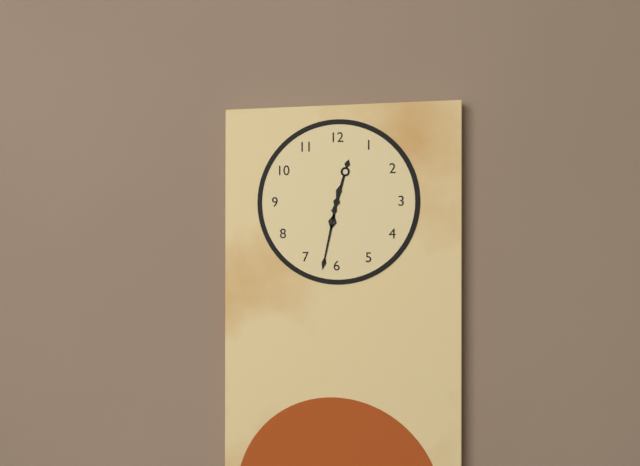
12:32
